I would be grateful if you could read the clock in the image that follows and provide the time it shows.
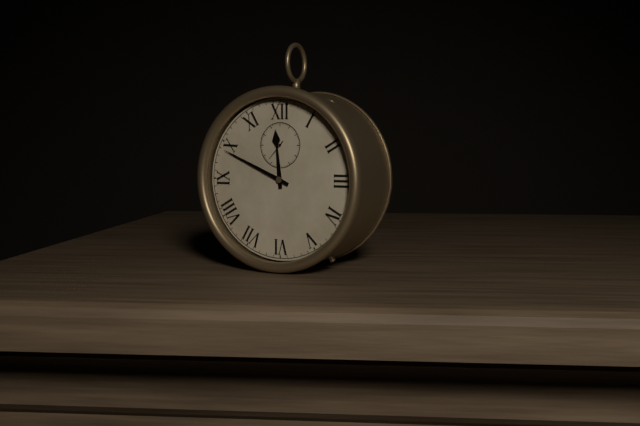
11:49
